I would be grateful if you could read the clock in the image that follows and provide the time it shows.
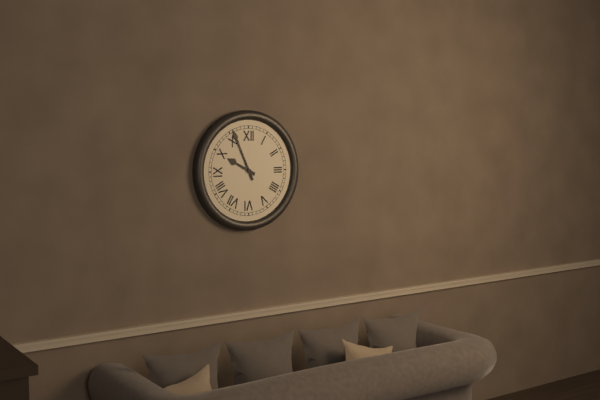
9:56
